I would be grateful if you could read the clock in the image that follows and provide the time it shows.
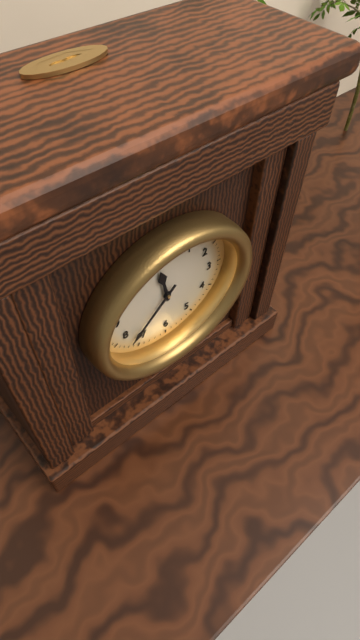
11:38
